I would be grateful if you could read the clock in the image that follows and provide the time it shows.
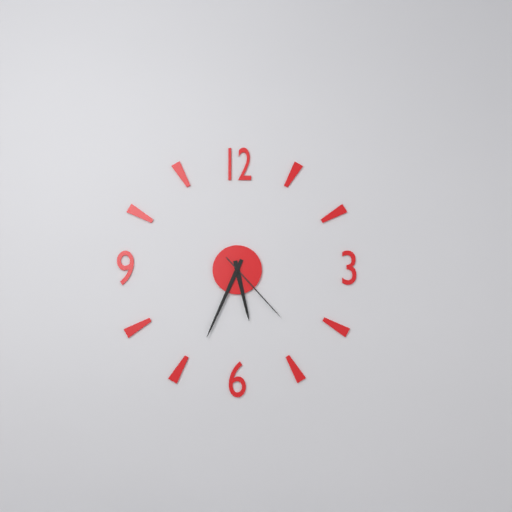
5:34:23
